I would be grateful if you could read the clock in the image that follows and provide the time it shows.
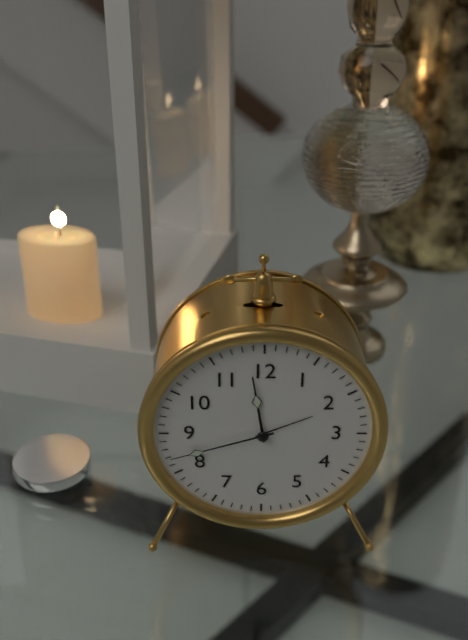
11:42
